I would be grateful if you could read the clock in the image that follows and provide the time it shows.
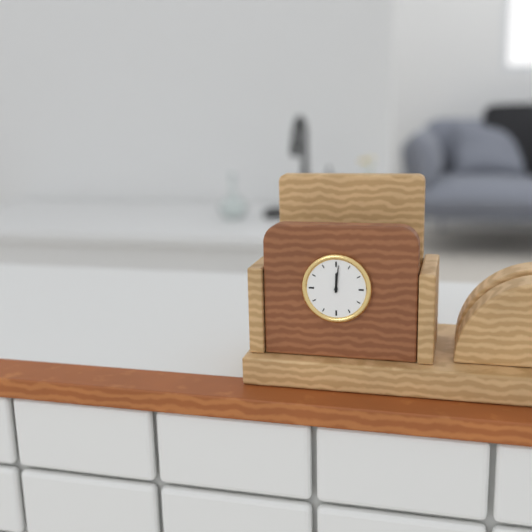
12:01
